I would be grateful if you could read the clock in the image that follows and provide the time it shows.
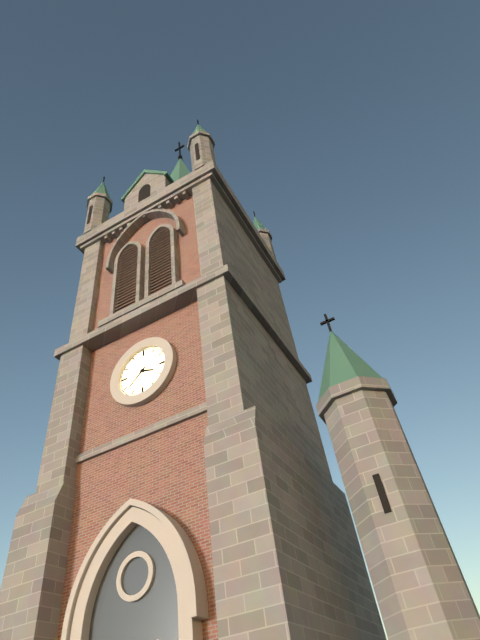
3:38
